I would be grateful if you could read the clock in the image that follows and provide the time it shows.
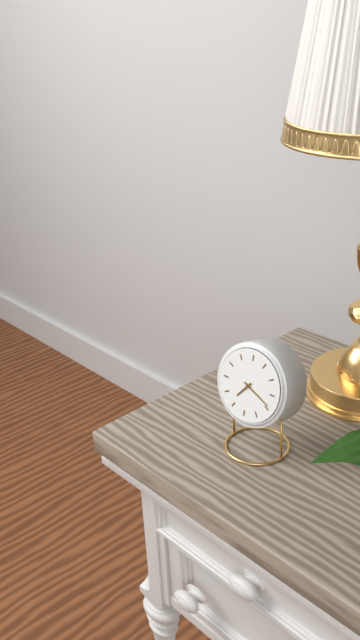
7:19
